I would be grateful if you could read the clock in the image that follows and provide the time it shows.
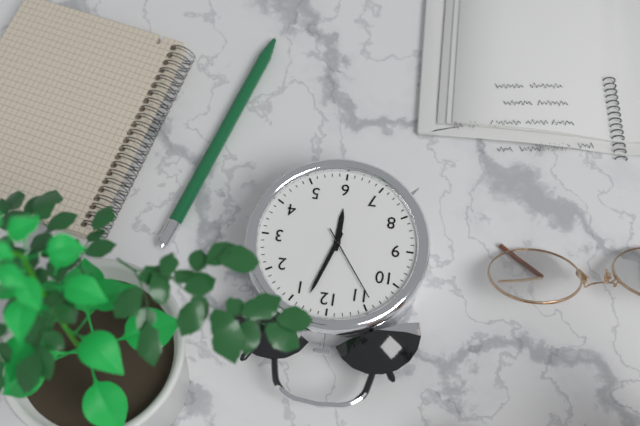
6:03:54
